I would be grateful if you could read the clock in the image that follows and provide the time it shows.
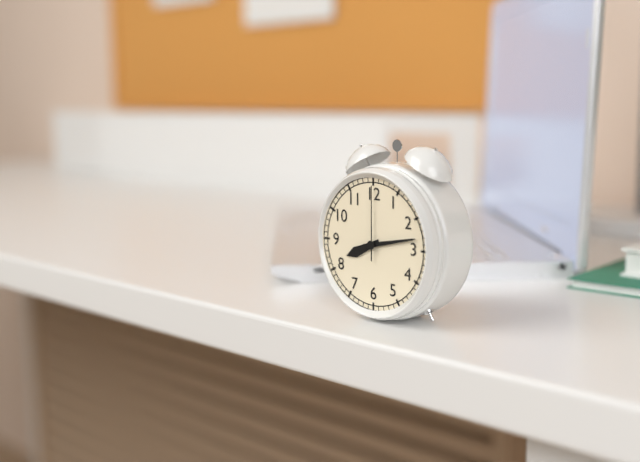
8:13:00
